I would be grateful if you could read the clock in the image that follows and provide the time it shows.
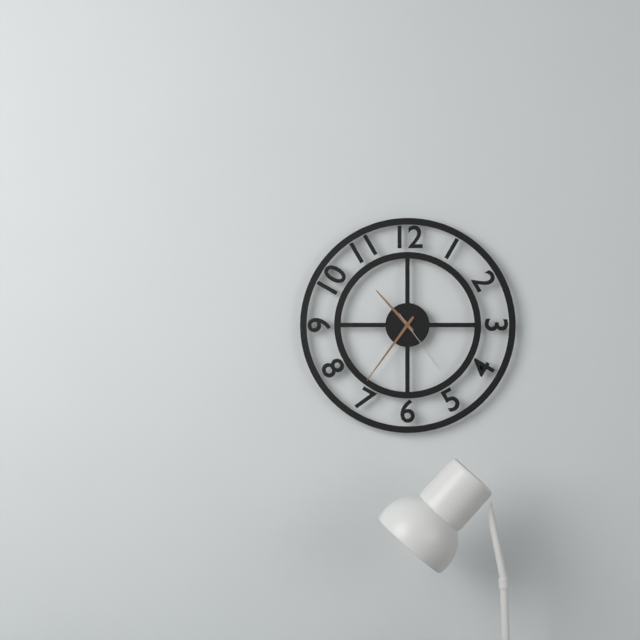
10:36:24
